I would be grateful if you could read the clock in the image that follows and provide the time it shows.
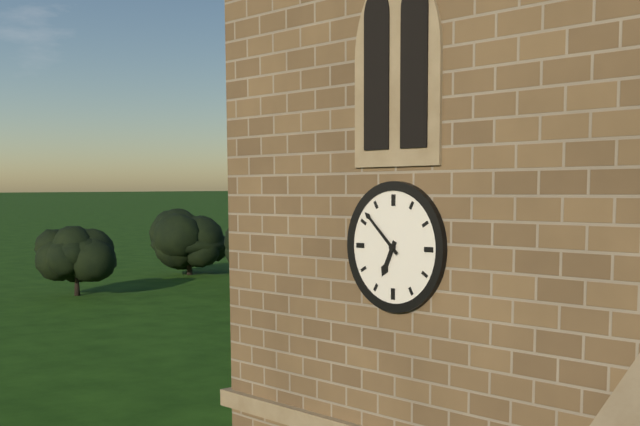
6:52
